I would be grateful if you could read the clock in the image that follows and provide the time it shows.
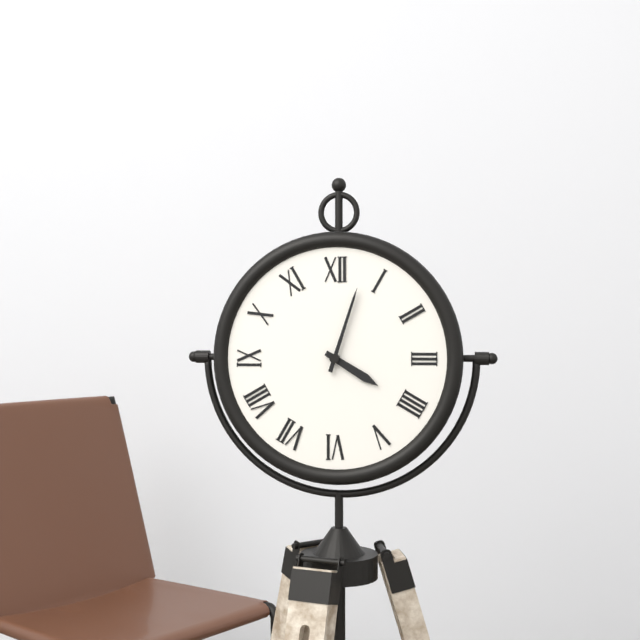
4:03
